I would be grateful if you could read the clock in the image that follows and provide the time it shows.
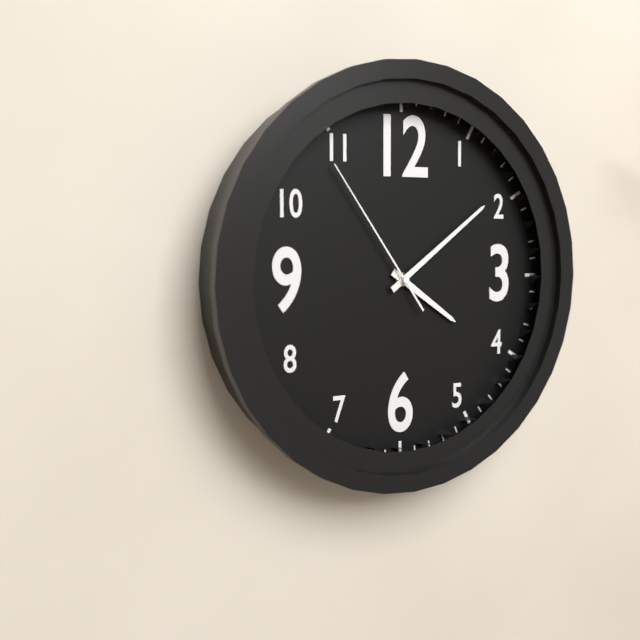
4:09:54
